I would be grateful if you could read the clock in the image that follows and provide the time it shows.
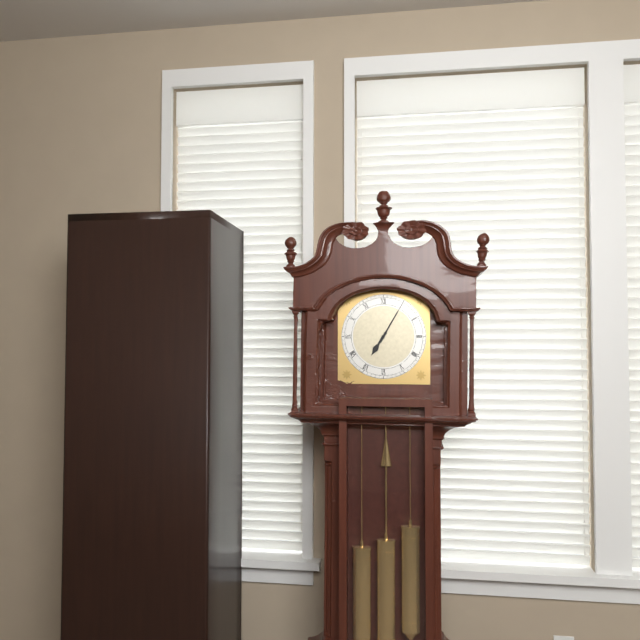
7:05
